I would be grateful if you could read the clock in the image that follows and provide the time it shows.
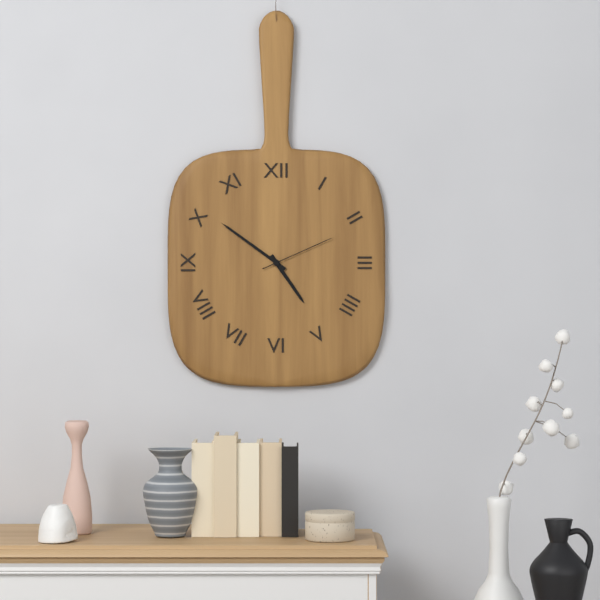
4:51:11
